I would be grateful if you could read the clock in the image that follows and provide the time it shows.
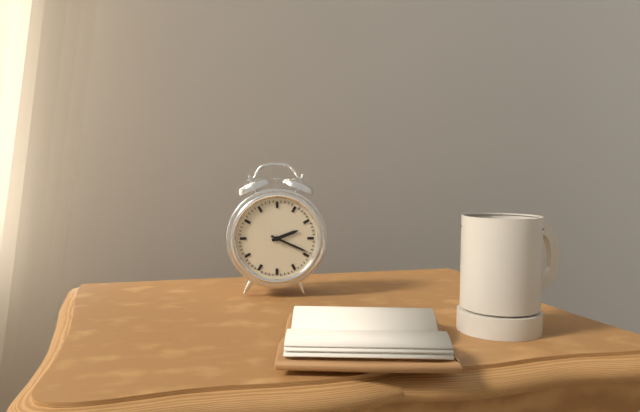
2:19
